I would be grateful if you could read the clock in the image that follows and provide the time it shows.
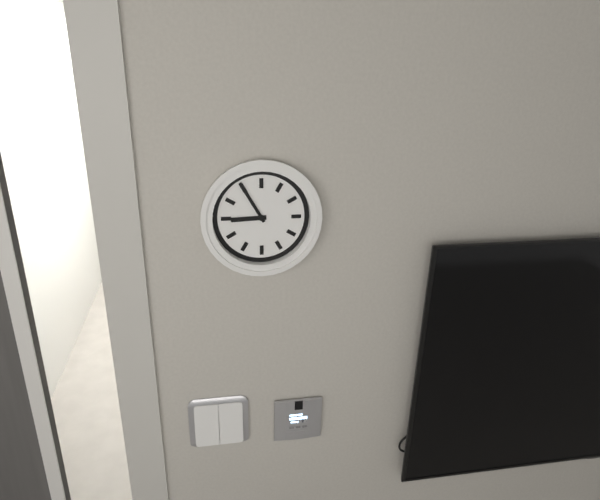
8:55
